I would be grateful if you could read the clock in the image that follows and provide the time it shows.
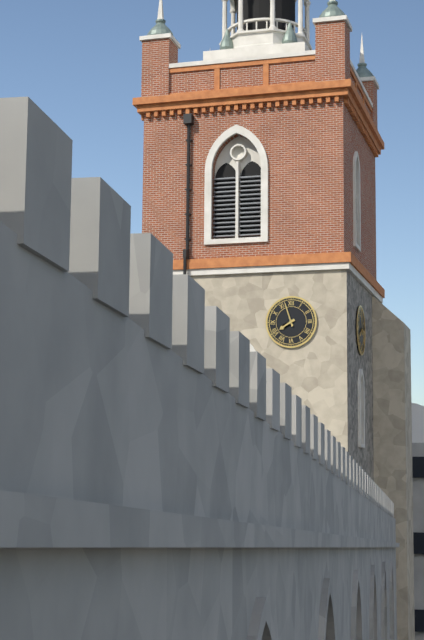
7:57
